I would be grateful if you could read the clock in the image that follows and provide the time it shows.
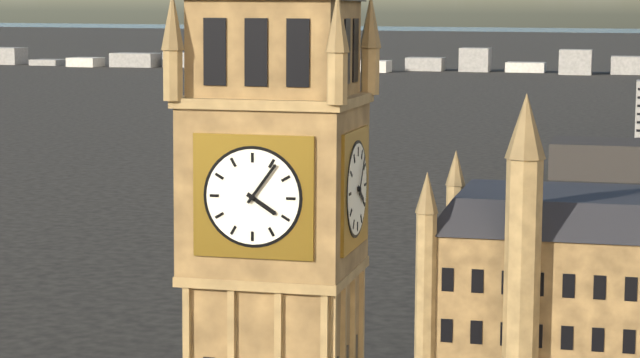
4:06
